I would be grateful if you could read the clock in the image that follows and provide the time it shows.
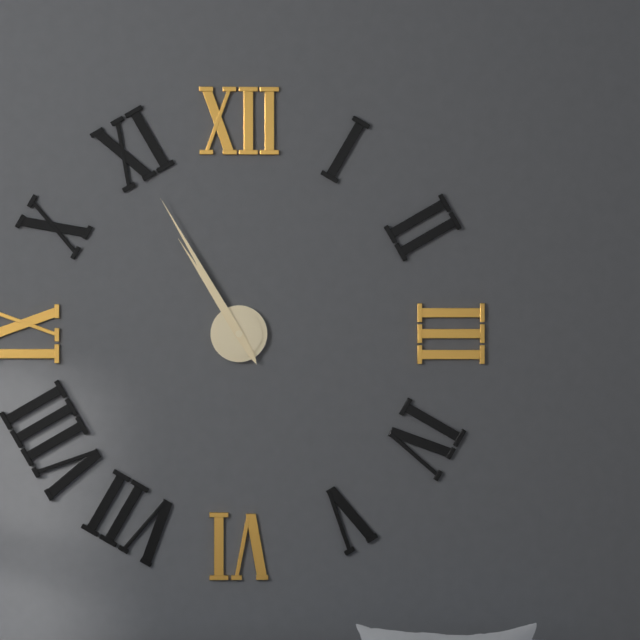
10:55
